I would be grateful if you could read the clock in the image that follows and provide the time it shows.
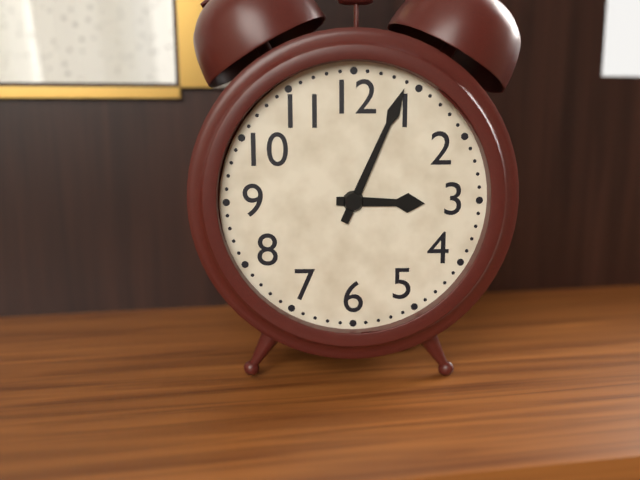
3:04
